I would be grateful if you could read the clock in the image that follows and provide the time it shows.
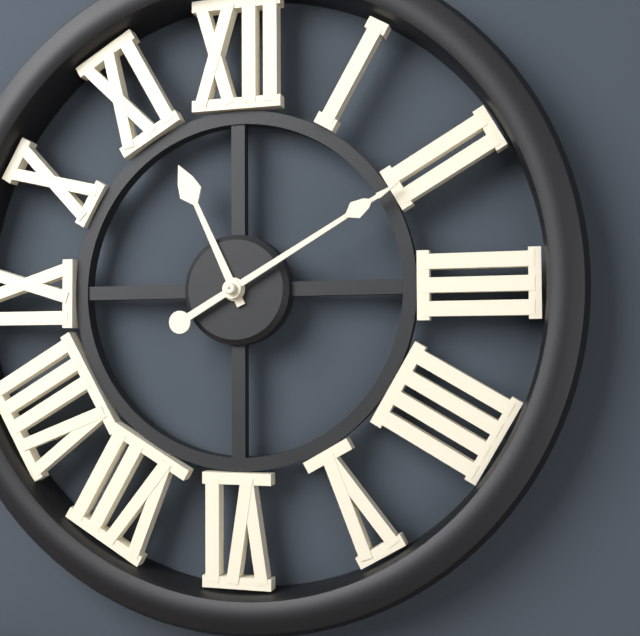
11:10
